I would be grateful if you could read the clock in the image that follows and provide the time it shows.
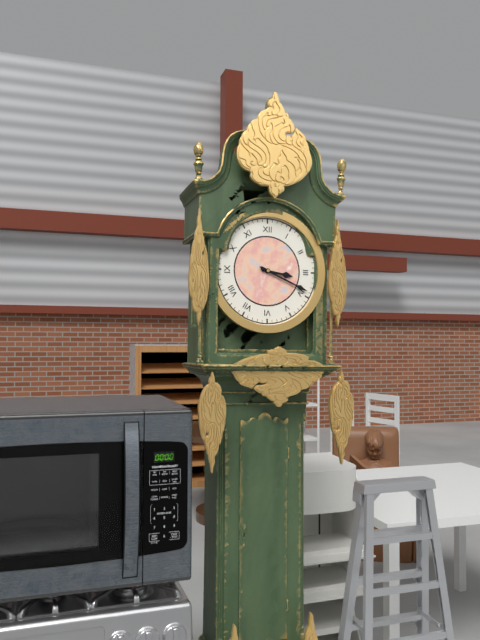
3:19
